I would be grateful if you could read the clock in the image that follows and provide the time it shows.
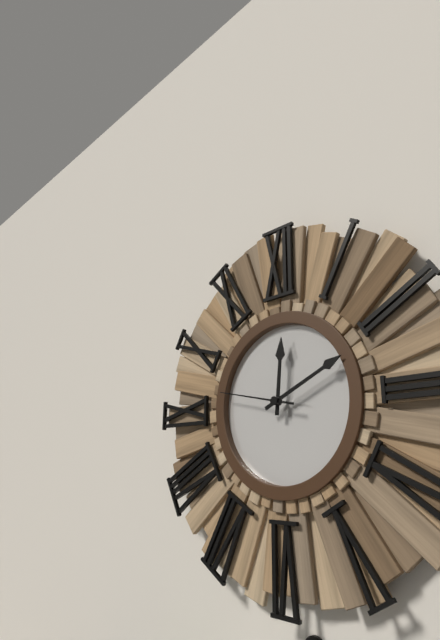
12:11:47
